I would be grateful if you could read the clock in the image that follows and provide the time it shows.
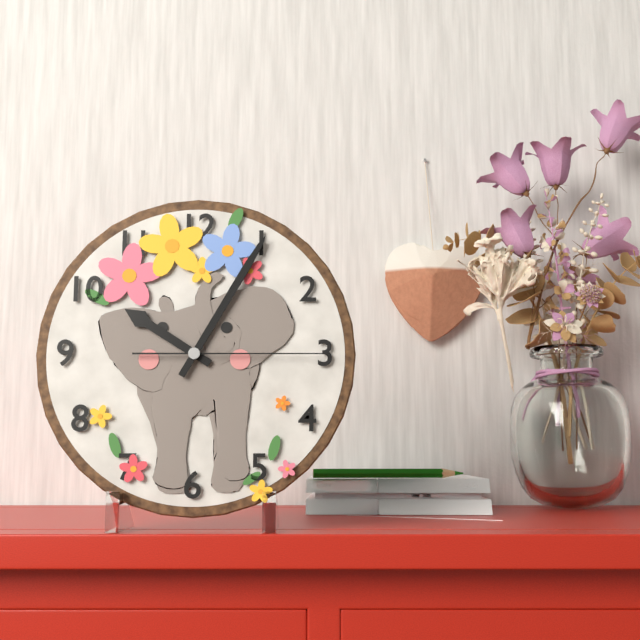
10:05:15
